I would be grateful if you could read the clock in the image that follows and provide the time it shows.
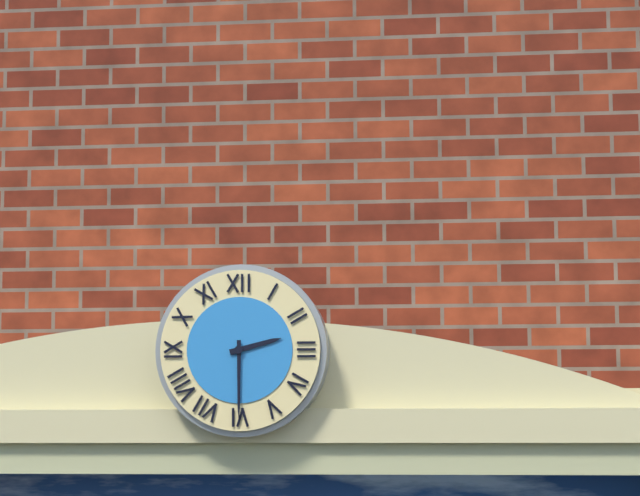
2:30
